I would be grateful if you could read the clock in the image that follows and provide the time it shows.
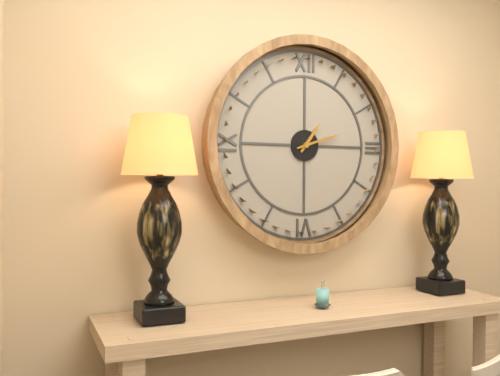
1:12
